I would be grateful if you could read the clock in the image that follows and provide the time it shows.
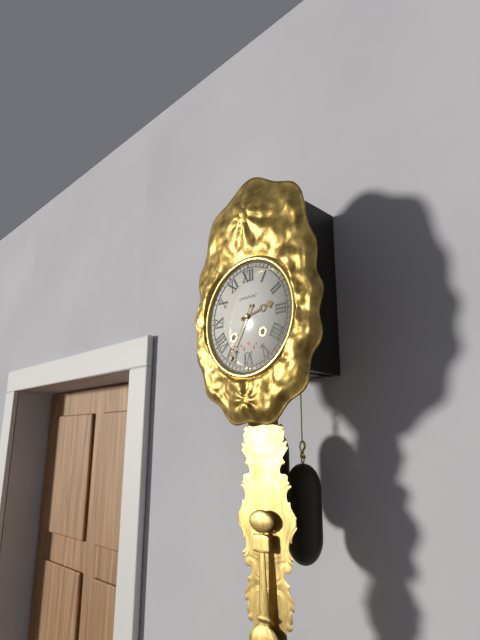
2:35
